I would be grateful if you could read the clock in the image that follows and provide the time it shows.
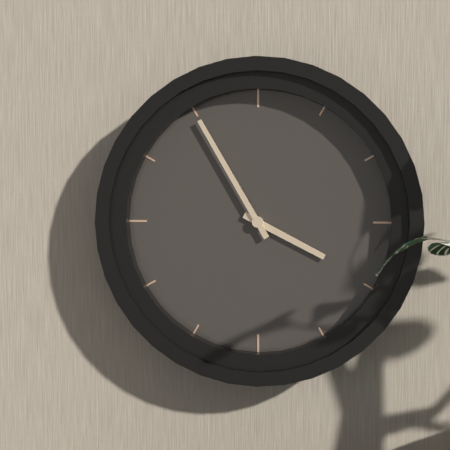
3:55
